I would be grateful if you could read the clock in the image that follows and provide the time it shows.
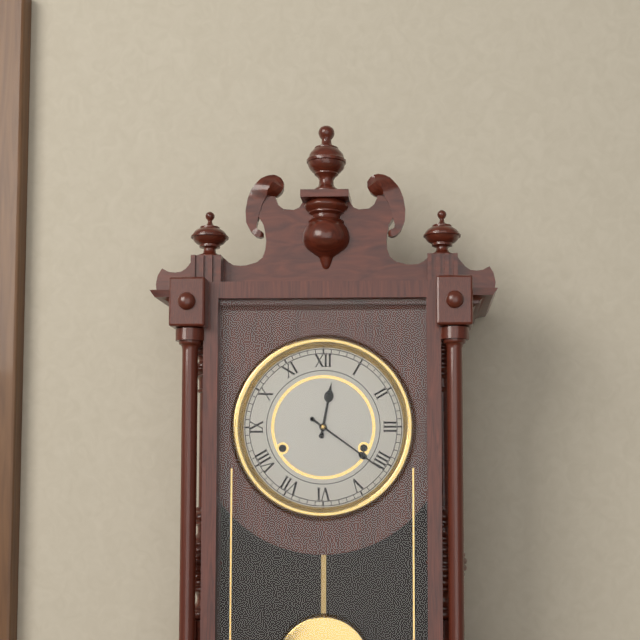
12:21
